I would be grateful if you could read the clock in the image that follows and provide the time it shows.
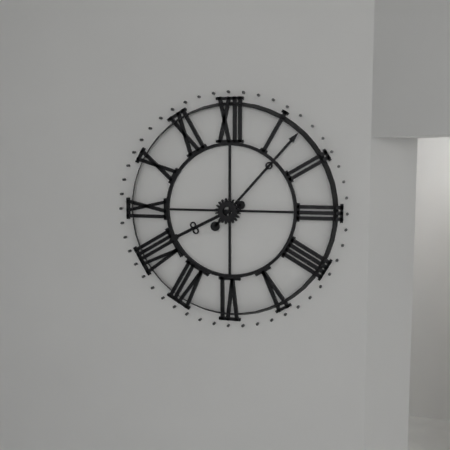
8:07
